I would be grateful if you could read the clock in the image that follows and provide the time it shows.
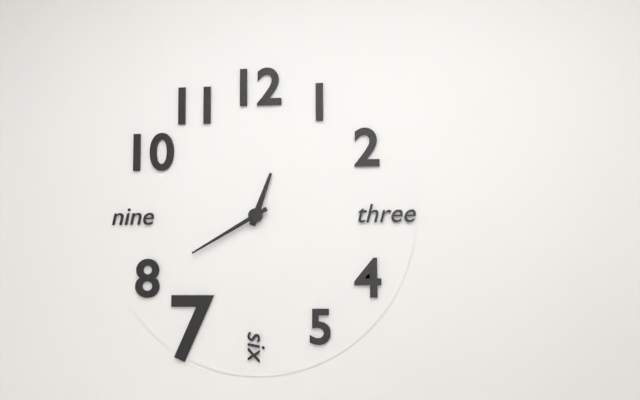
12:40
